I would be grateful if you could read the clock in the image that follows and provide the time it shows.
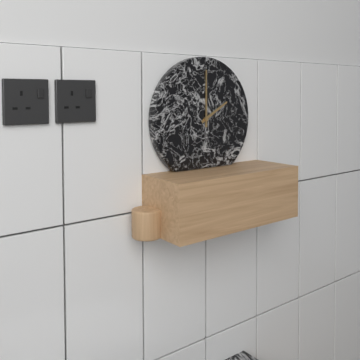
2:00
